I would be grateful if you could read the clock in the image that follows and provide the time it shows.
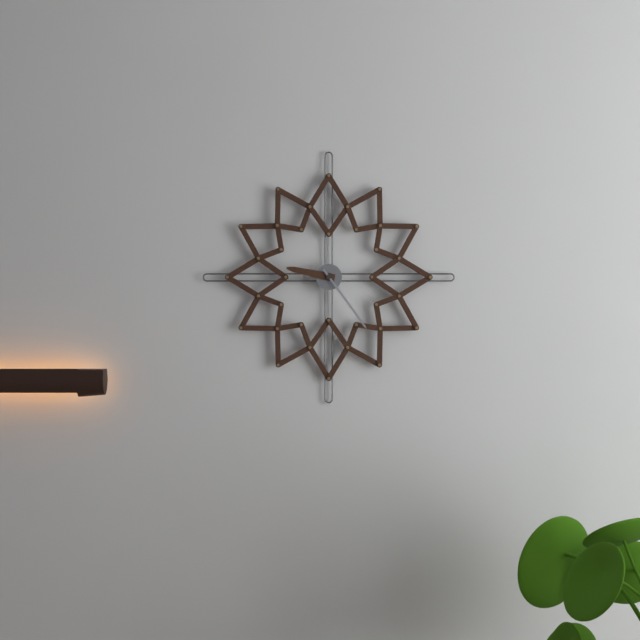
9:24
